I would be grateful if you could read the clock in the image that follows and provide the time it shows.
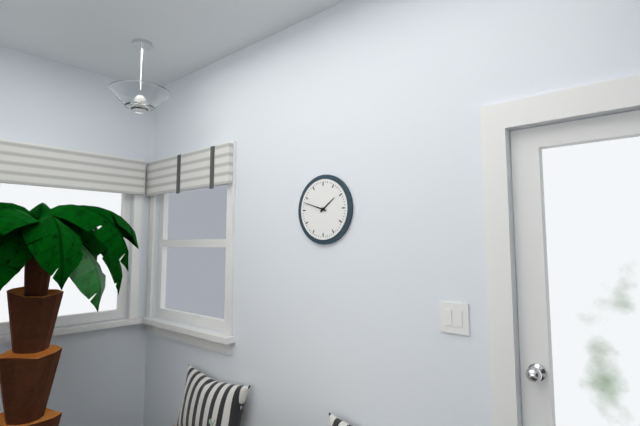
1:48
